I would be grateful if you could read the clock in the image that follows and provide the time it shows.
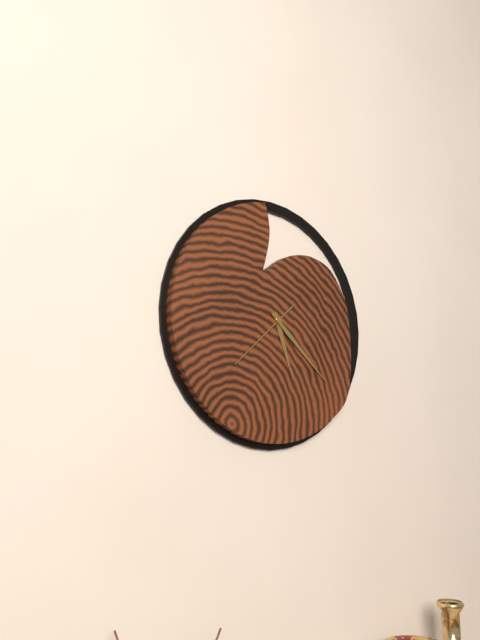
5:22:38
